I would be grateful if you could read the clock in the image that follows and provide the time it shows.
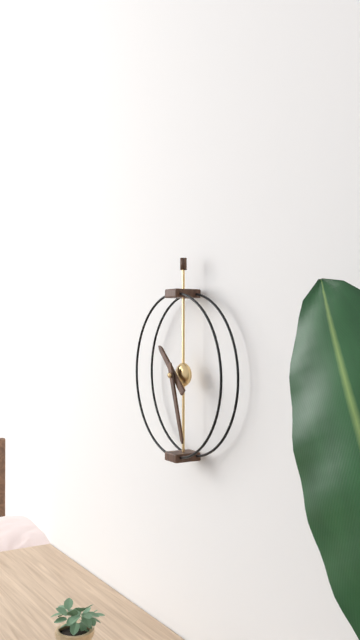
10:27
